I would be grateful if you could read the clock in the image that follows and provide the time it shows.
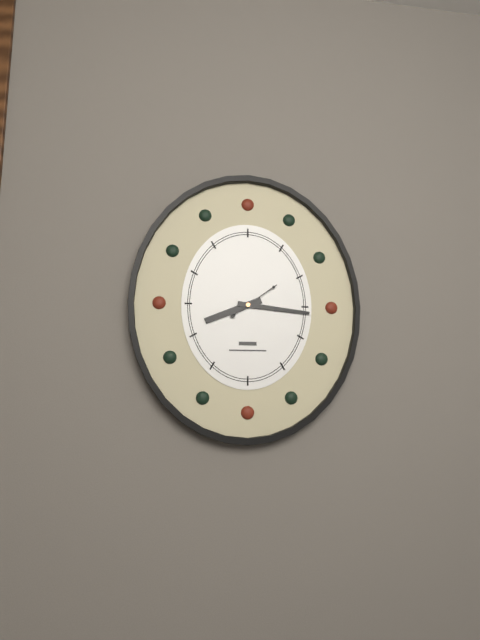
8:16
